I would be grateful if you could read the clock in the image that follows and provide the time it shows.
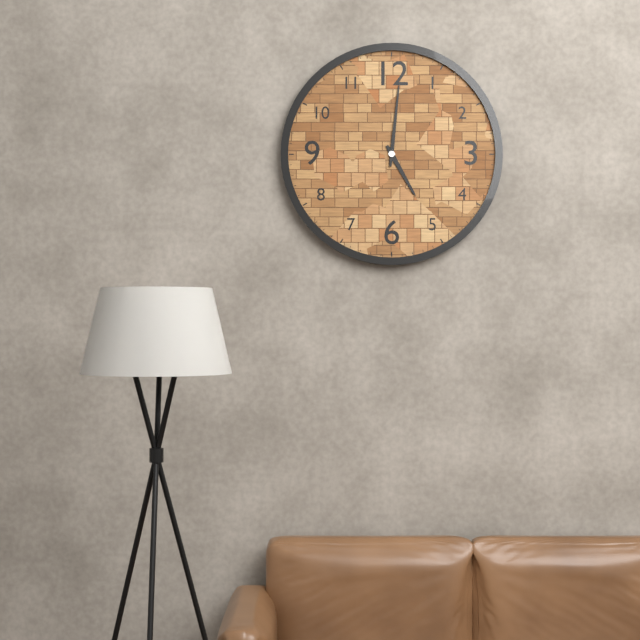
5:01
